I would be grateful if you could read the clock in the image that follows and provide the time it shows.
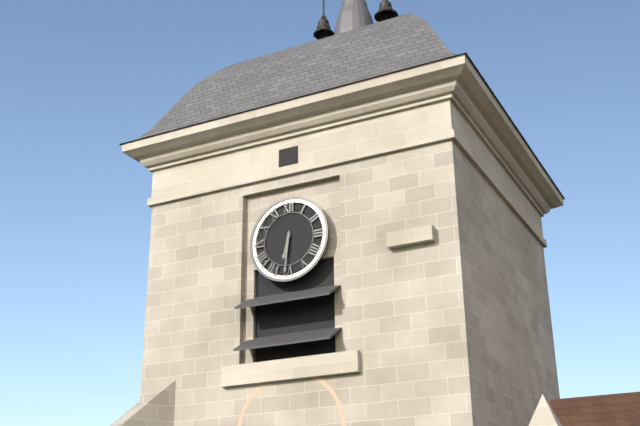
6:31
